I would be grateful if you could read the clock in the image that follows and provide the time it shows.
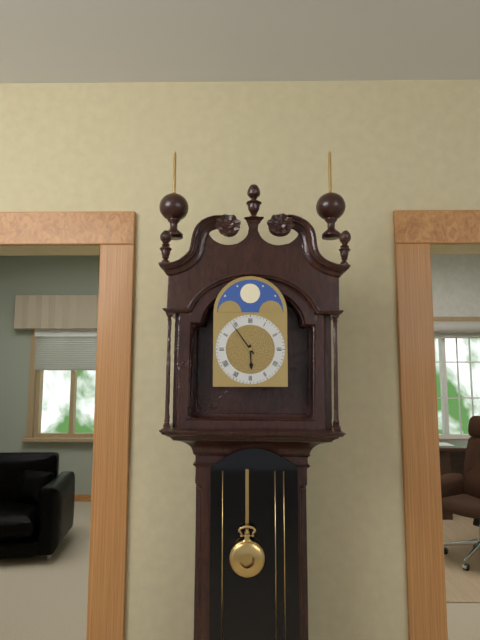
5:54
